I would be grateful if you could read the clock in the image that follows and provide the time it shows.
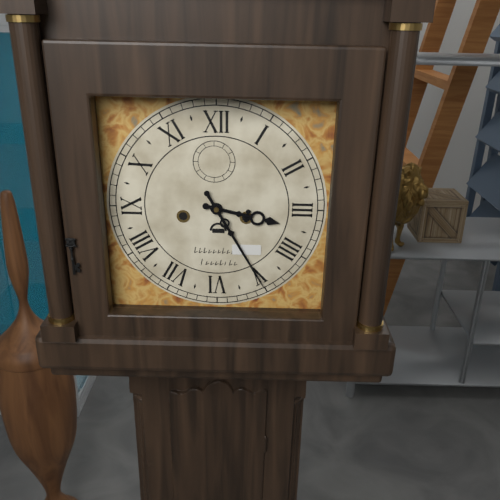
3:25
